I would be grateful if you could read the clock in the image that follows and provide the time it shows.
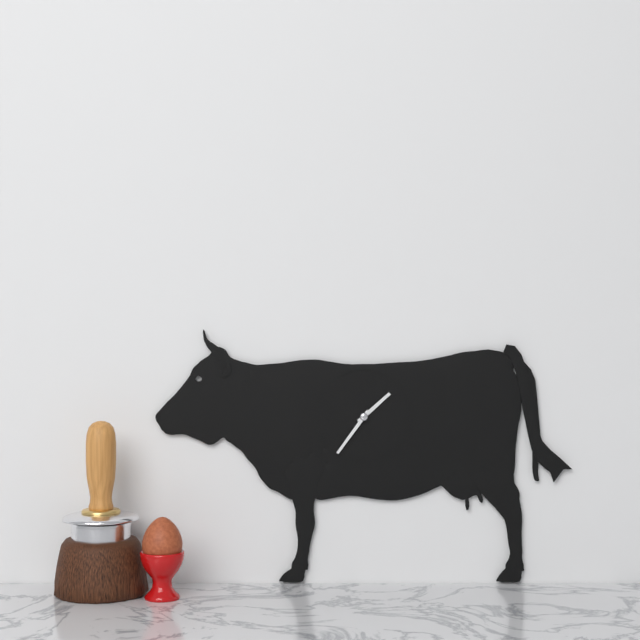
1:36
